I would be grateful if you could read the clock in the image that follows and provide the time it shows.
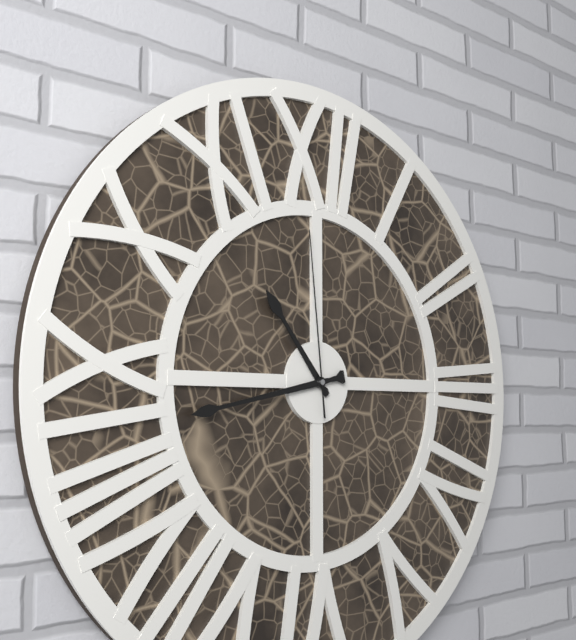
10:43:59
